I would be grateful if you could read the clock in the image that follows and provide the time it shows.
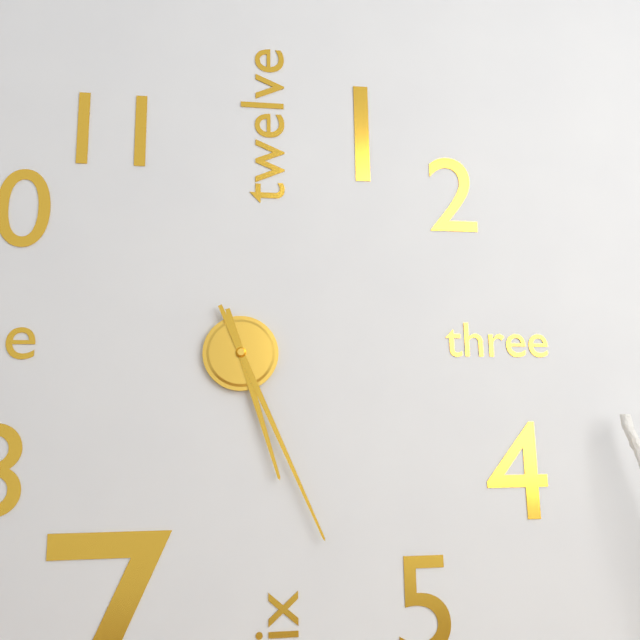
5:26
